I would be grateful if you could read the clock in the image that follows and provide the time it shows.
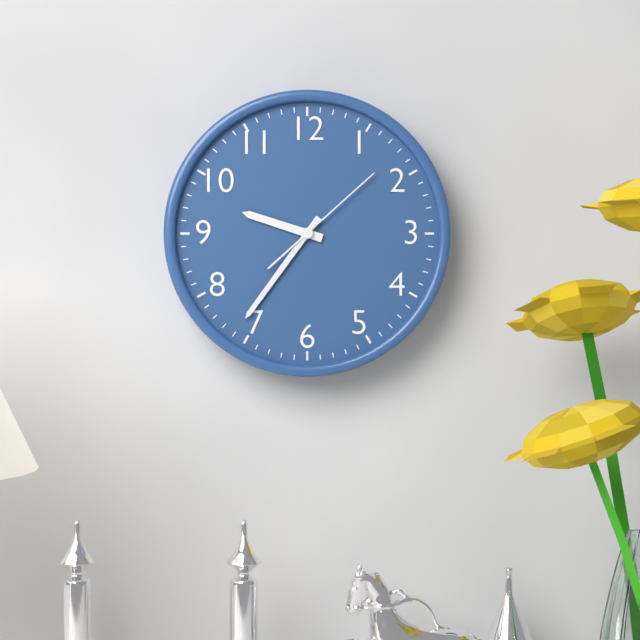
9:36:08
